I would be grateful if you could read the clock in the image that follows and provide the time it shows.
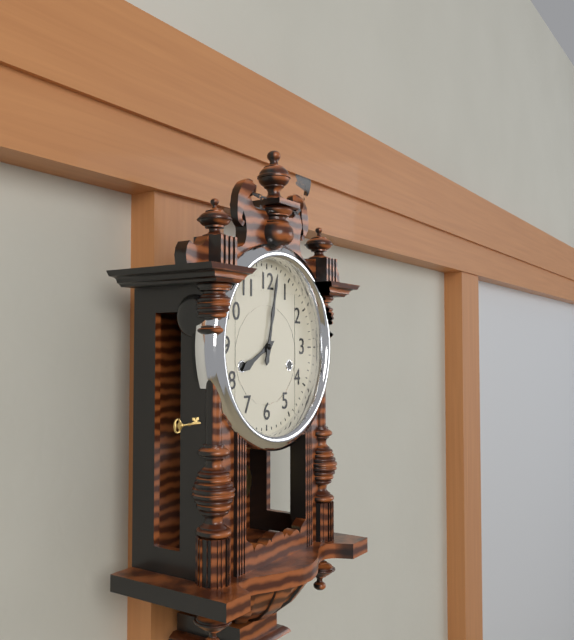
8:02
